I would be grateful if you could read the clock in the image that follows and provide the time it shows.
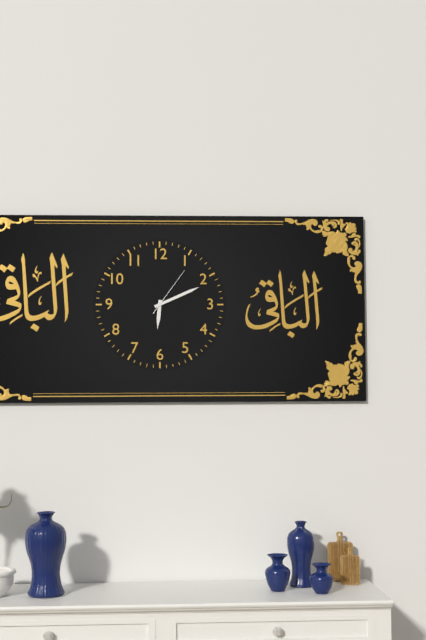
6:11:06
